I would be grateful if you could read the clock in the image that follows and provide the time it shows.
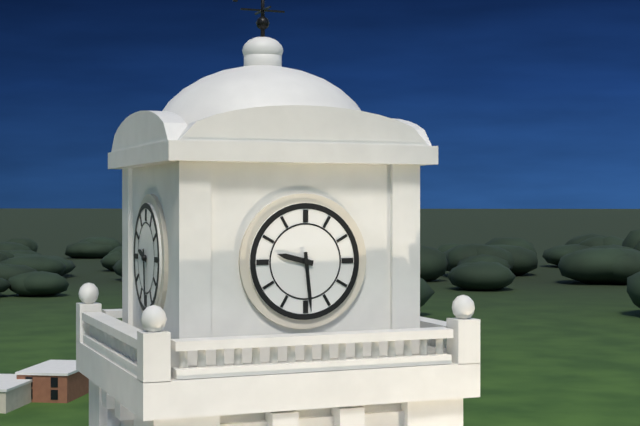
9:29
